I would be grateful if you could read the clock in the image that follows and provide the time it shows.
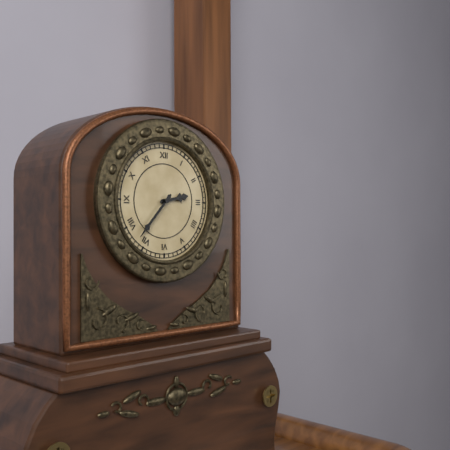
2:37
